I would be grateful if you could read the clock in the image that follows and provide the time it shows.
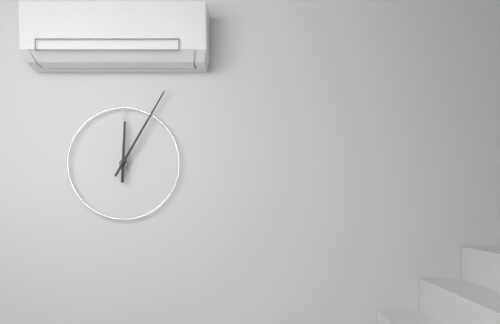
12:05
